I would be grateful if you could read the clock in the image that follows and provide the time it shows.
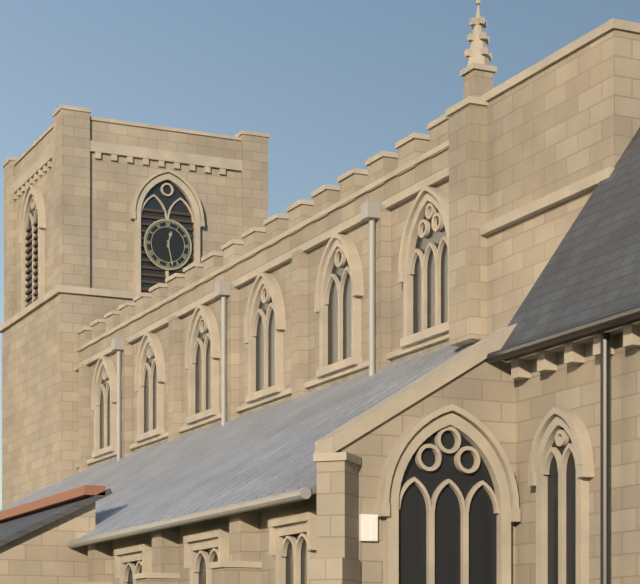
12:28
